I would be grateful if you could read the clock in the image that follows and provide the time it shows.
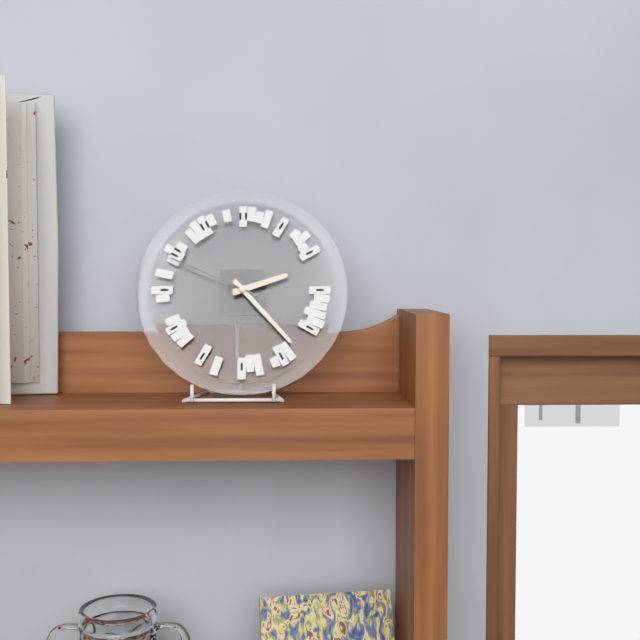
2:23:49
